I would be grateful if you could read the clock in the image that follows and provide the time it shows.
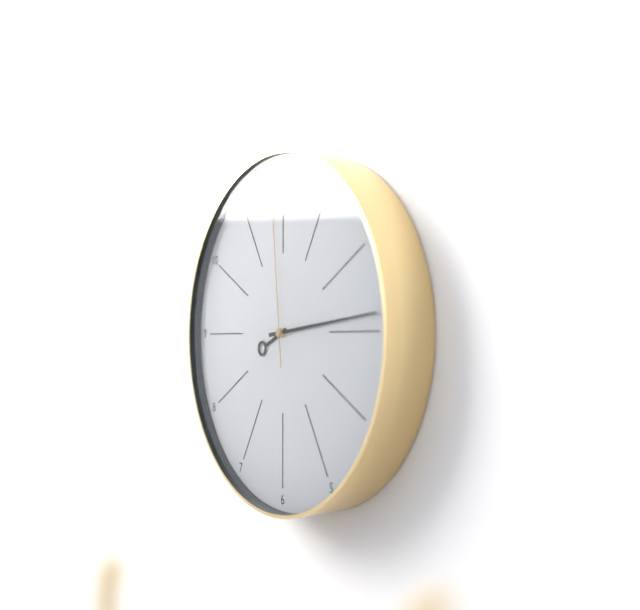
8:14:59
